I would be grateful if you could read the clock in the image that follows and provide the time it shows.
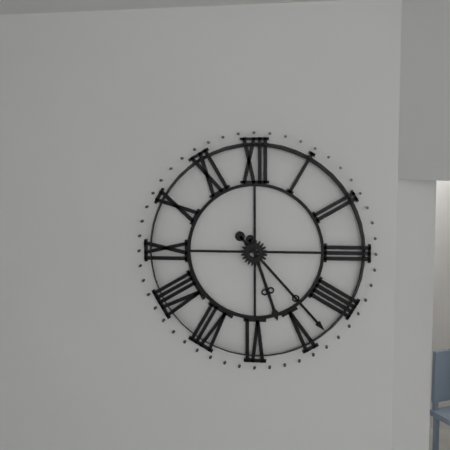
5:23
